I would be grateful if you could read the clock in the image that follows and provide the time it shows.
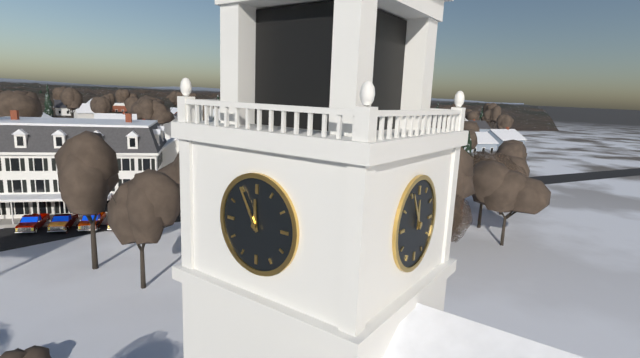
11:55
